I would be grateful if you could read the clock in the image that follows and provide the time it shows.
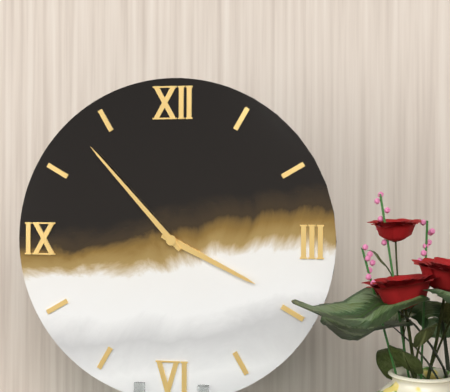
3:53
